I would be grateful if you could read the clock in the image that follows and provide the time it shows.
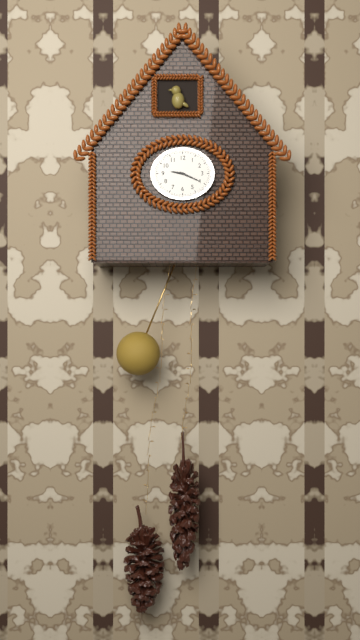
9:19
